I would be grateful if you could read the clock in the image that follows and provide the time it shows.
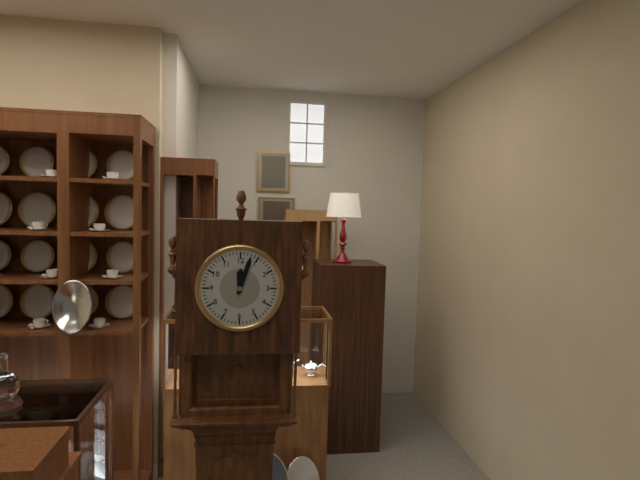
12:03
